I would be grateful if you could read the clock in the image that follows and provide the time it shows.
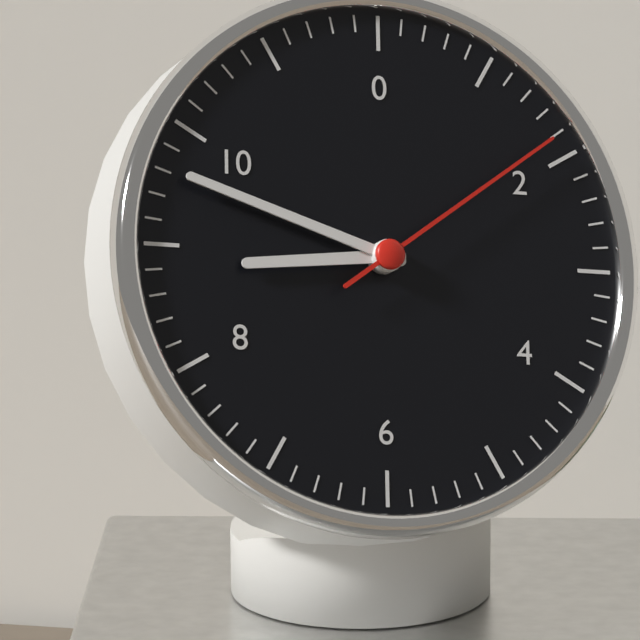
8:48:09
